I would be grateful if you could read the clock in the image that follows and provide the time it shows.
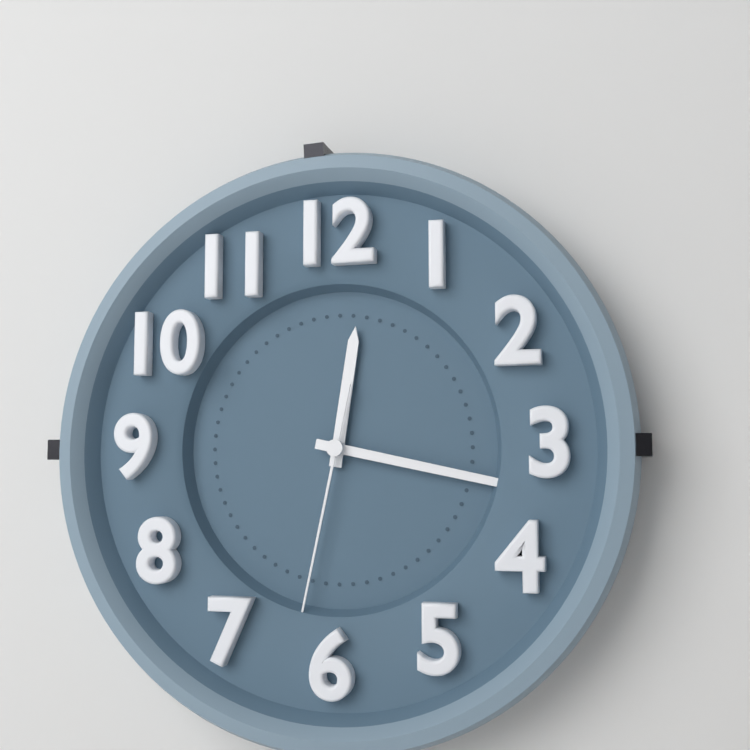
12:17:32
